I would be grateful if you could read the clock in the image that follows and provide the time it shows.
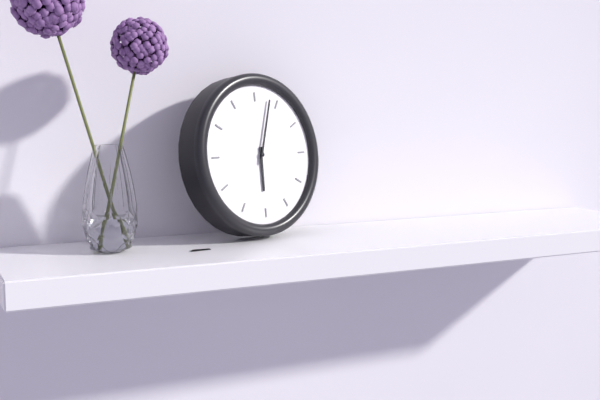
6:03
